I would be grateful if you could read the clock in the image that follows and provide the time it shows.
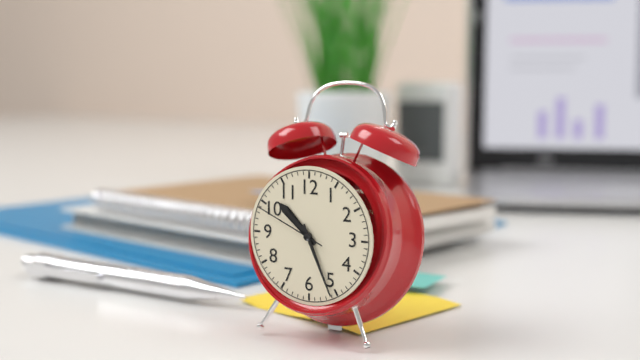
10:26:49
